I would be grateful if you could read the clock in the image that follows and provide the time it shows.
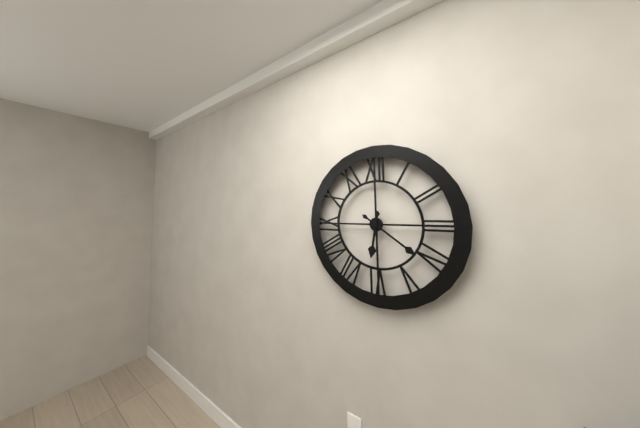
6:21
